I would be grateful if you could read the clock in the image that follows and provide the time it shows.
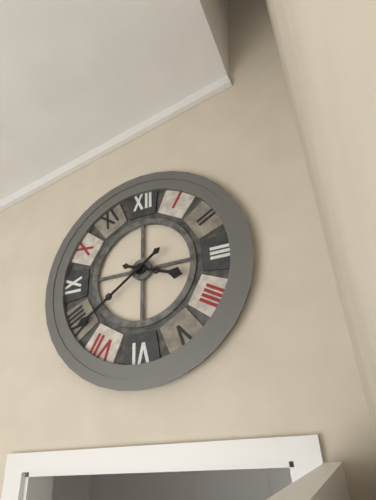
3:39
